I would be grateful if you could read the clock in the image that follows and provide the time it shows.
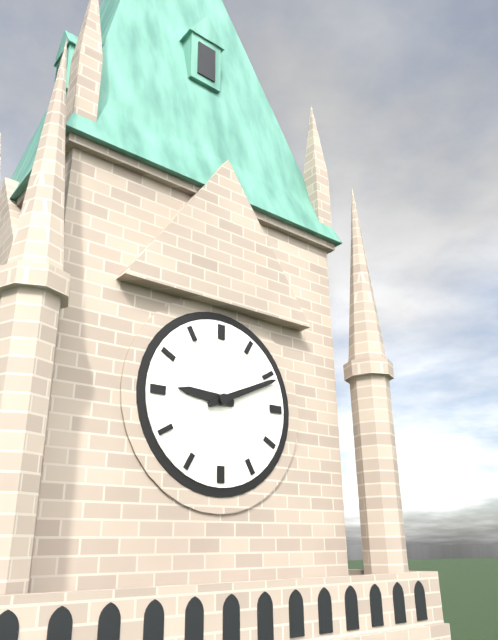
9:11
